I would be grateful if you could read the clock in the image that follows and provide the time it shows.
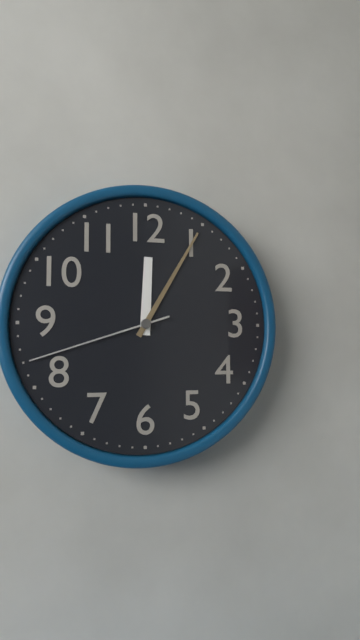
12:05:42
